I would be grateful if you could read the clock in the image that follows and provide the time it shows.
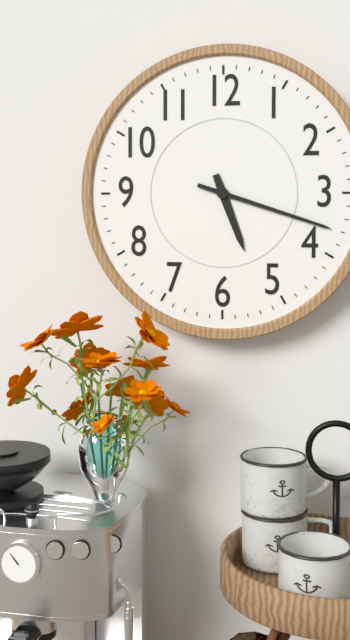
5:18
